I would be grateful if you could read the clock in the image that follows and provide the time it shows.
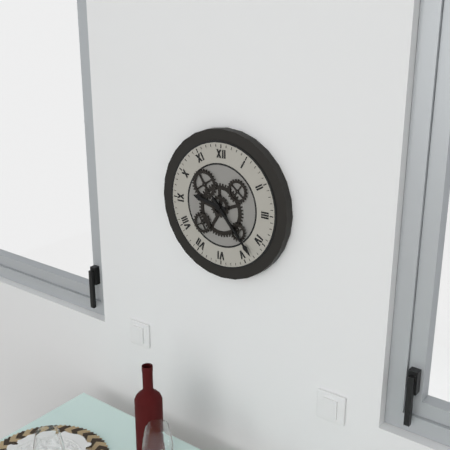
9:23
